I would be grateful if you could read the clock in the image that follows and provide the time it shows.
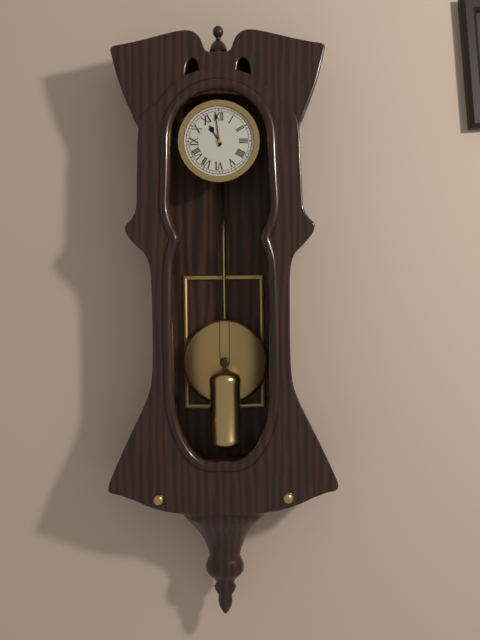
10:59
